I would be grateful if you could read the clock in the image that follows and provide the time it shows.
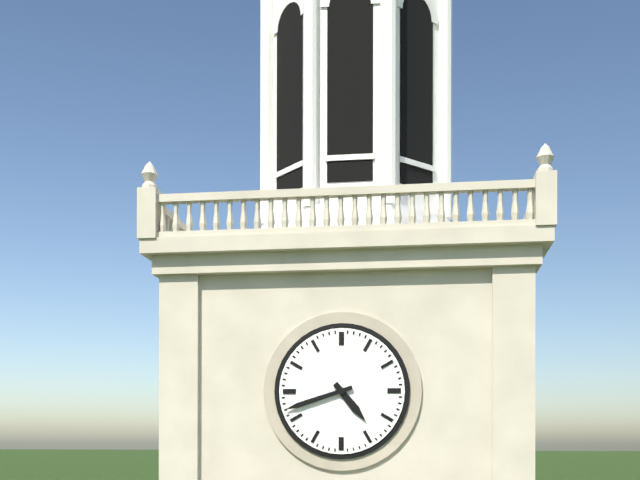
4:42
